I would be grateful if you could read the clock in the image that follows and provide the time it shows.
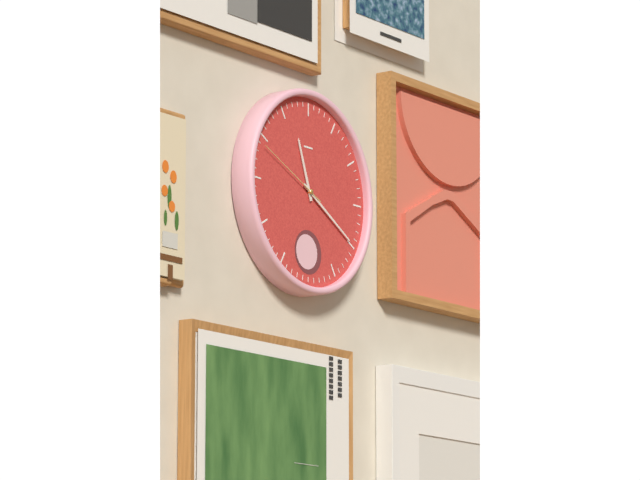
11:20:49
